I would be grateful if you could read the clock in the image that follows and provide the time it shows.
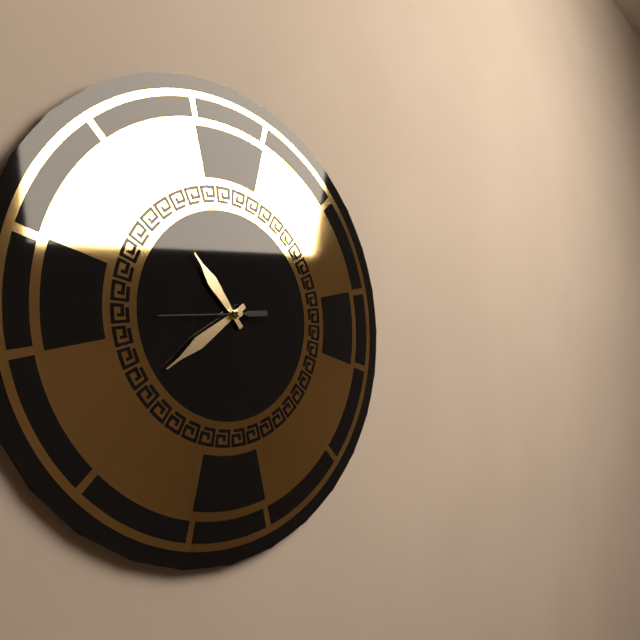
10:39:44
